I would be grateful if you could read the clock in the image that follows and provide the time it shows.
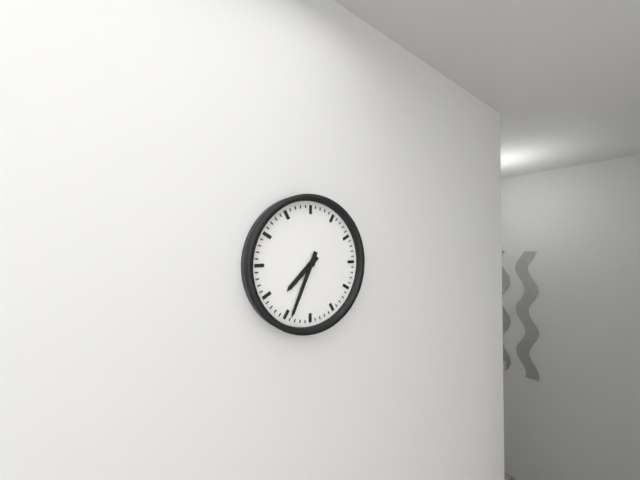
7:34
